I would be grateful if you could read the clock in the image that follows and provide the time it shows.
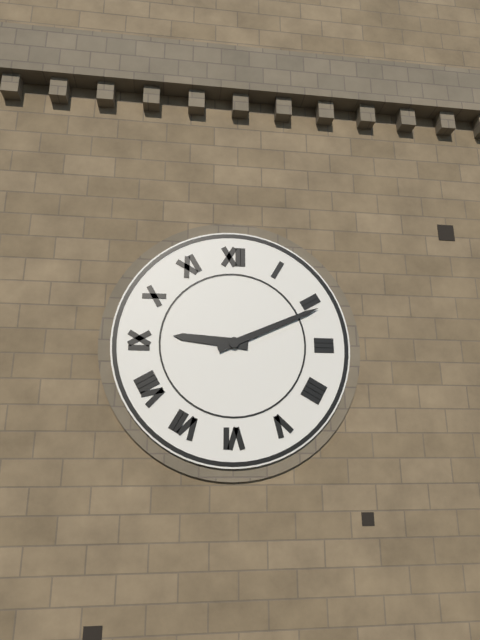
9:11
